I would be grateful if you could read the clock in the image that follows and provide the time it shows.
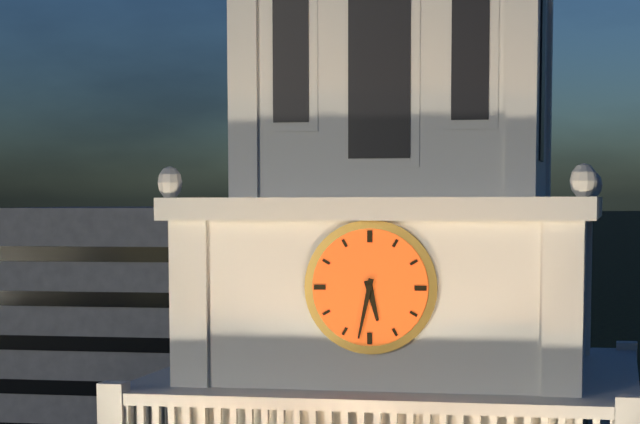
5:32
